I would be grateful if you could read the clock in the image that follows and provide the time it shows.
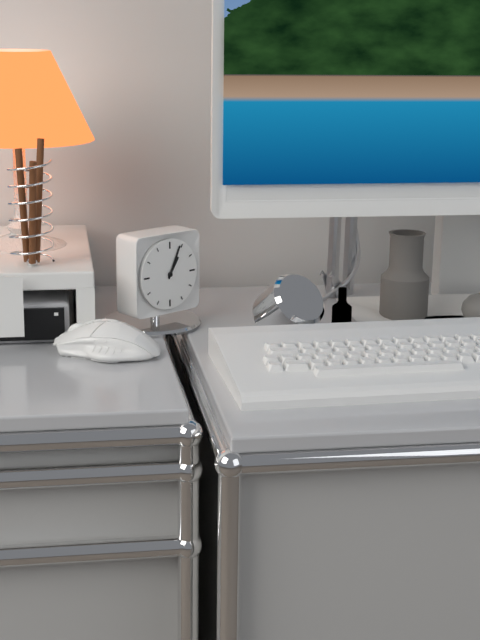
1:04
